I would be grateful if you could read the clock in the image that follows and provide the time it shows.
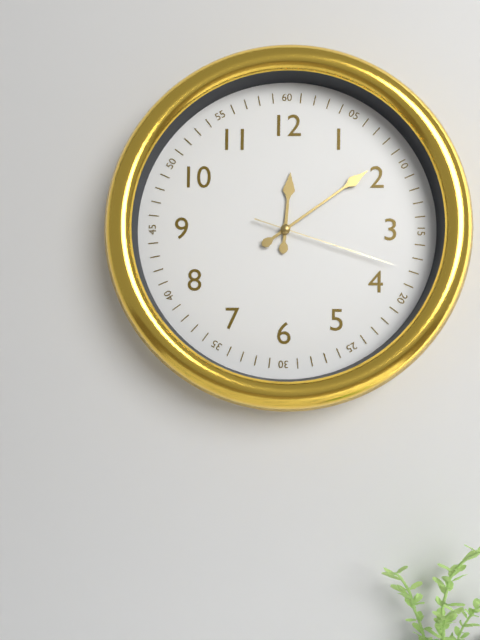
12:09:18
